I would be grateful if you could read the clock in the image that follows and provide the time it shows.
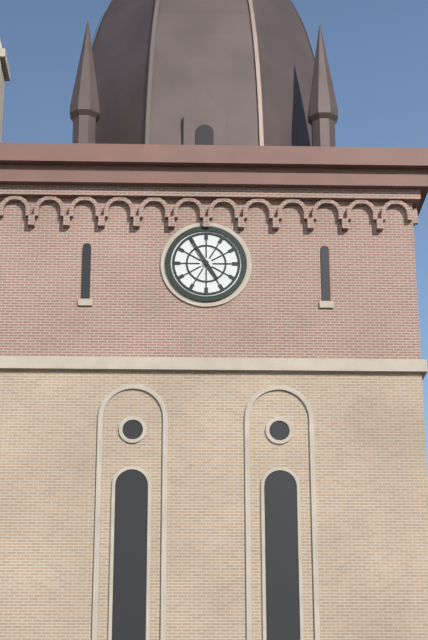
4:55
